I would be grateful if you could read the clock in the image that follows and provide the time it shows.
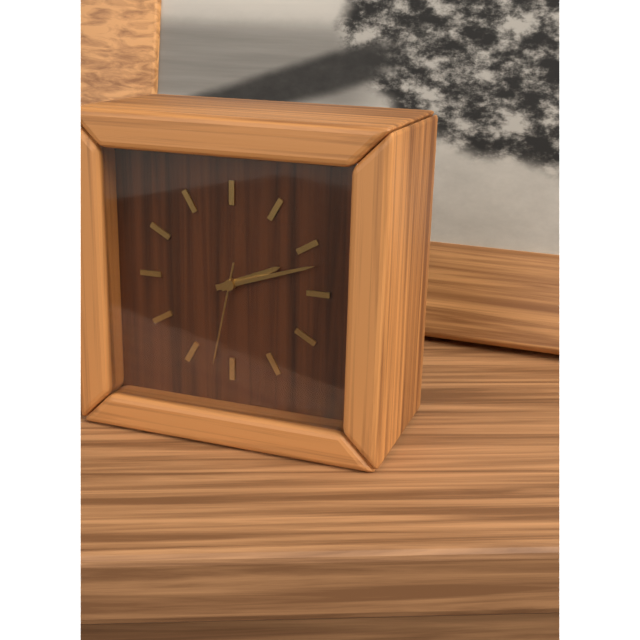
2:12:32
